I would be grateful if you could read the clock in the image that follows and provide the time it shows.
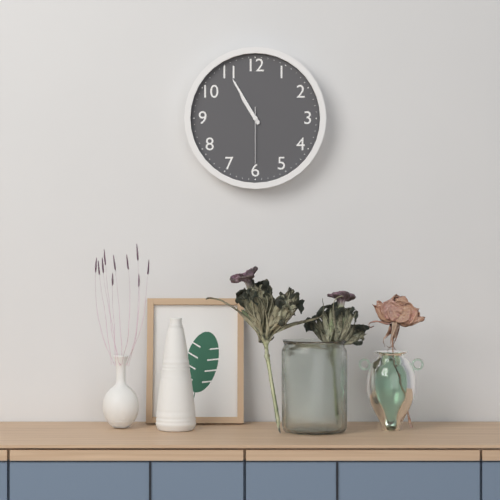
10:55:30
